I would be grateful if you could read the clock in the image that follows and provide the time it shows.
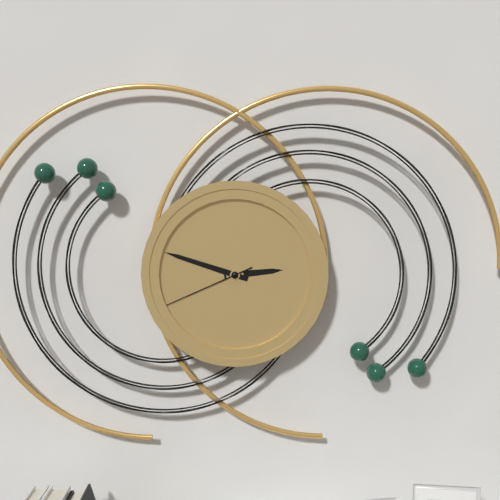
2:48:41
